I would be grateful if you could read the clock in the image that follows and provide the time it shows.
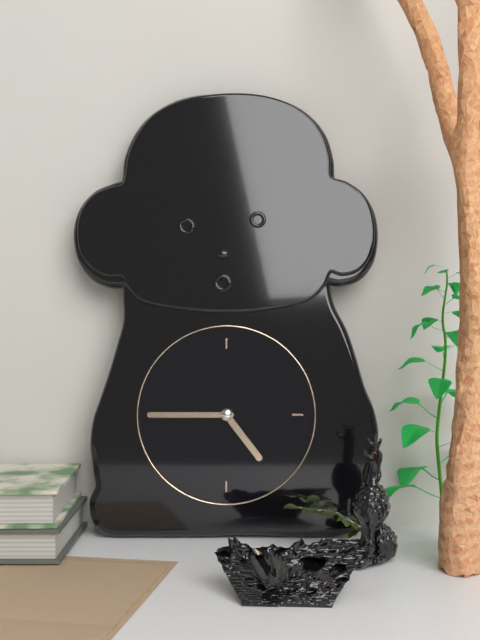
4:45
